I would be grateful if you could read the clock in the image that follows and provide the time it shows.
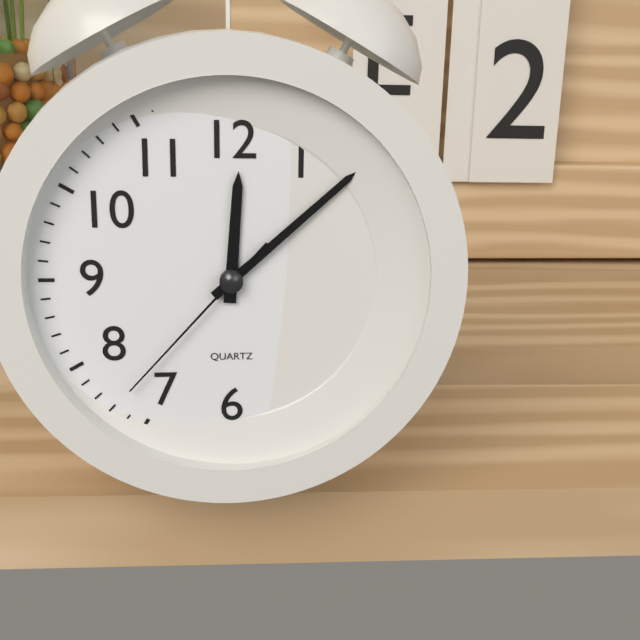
12:08:37
